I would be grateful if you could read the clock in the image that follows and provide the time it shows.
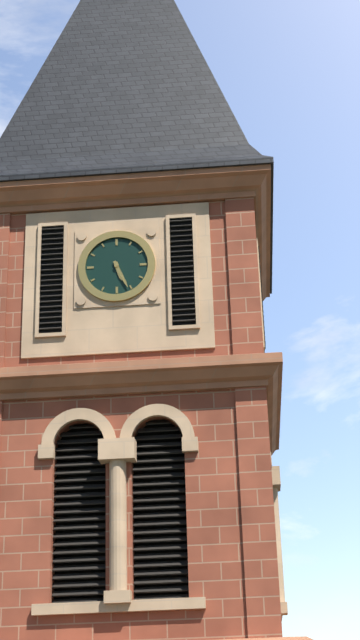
5:26
